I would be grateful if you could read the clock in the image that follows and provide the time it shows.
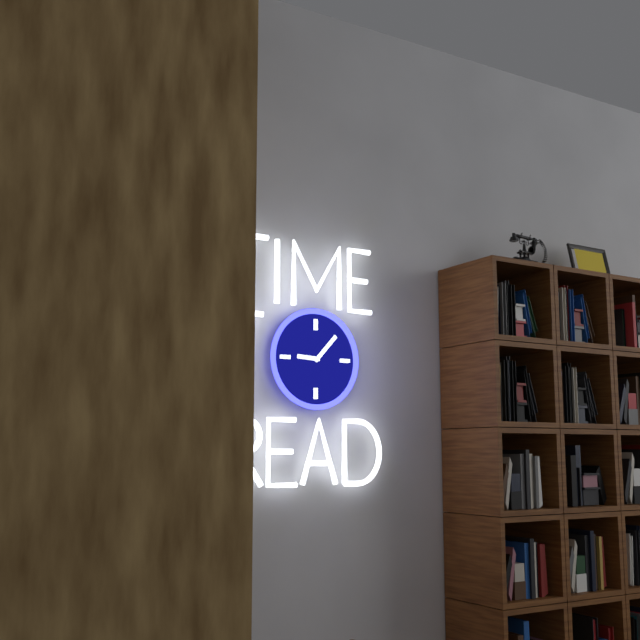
9:07
